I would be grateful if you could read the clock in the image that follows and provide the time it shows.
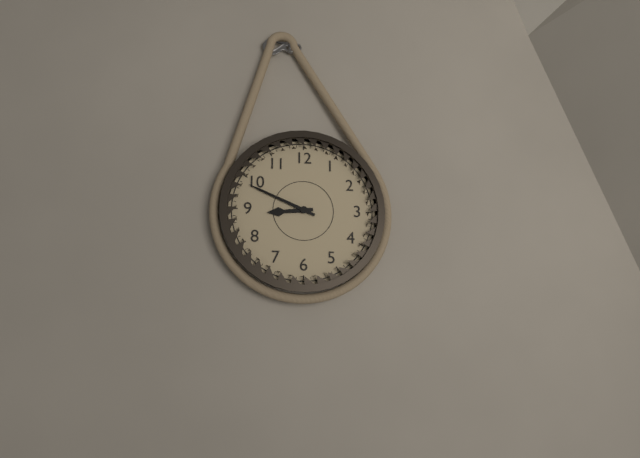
8:49
